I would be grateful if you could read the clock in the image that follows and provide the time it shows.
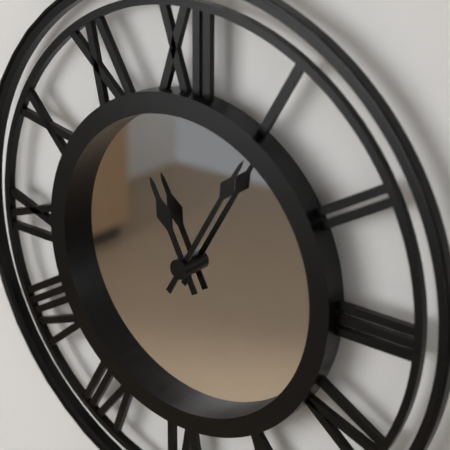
11:05
